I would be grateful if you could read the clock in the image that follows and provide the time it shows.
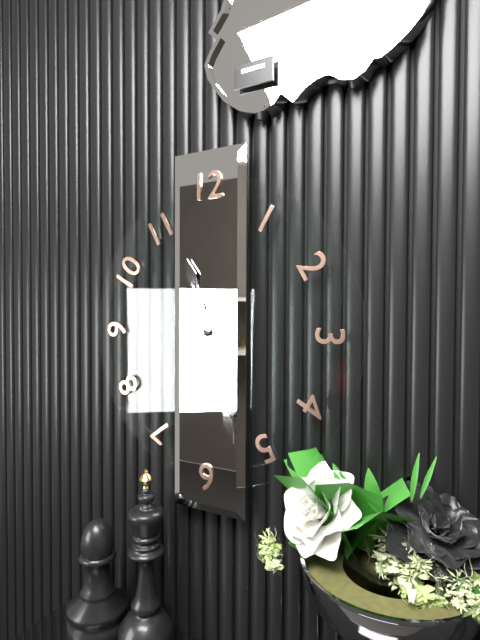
11:27
